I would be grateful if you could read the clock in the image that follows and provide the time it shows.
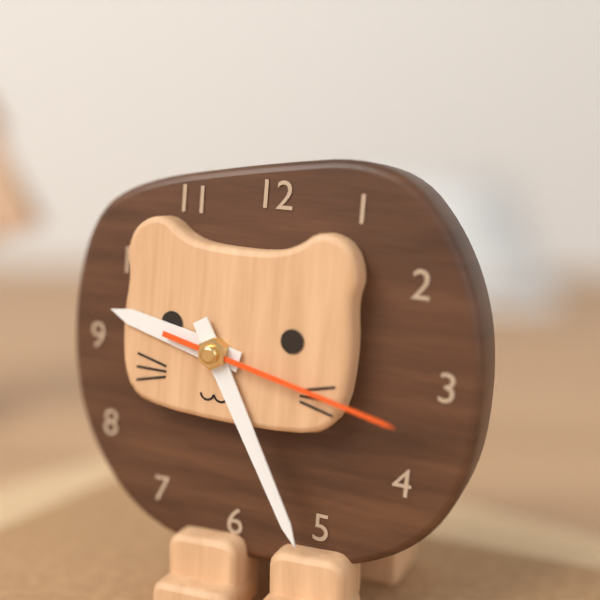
9:25:17
